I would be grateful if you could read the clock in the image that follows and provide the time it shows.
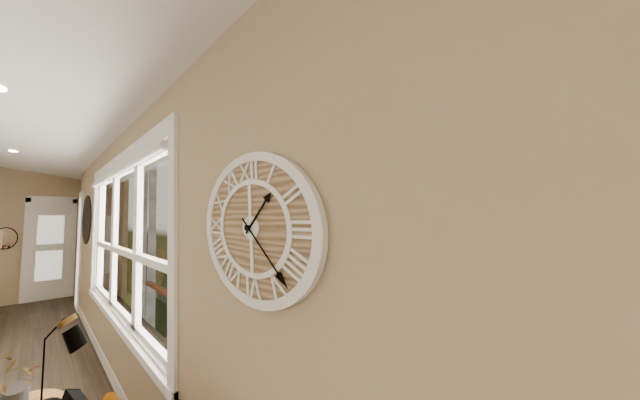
1:23
